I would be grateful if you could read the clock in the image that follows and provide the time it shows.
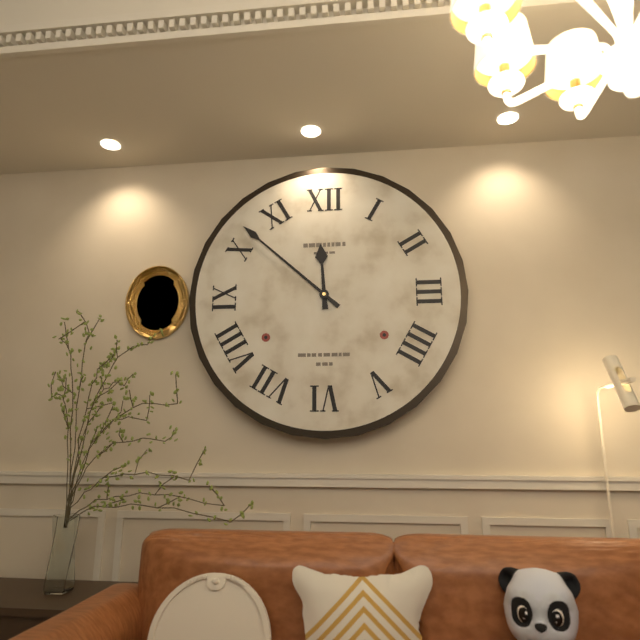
11:52
